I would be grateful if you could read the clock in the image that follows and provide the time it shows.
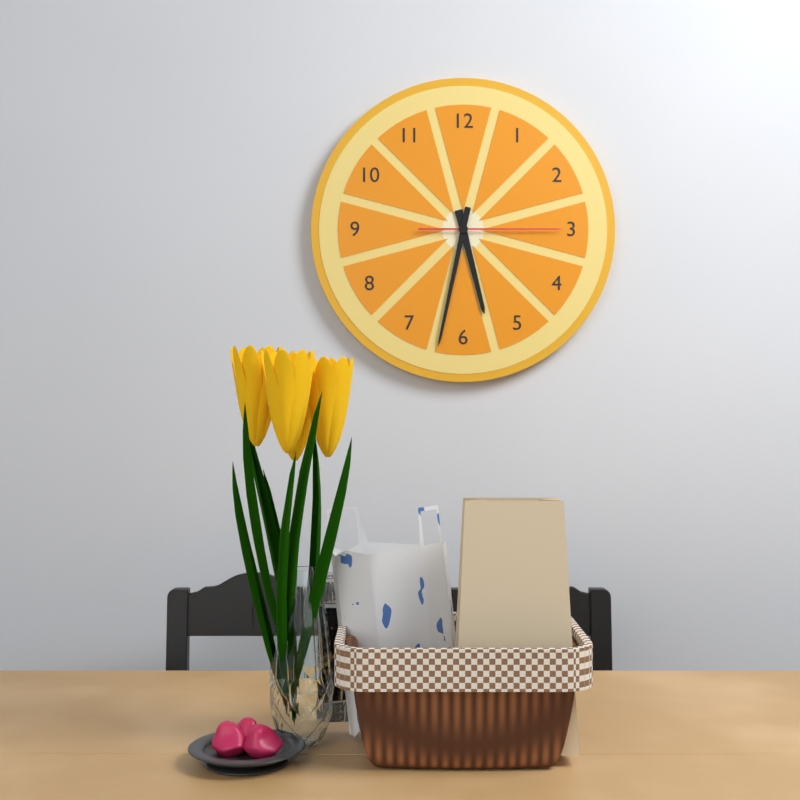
5:32:15
